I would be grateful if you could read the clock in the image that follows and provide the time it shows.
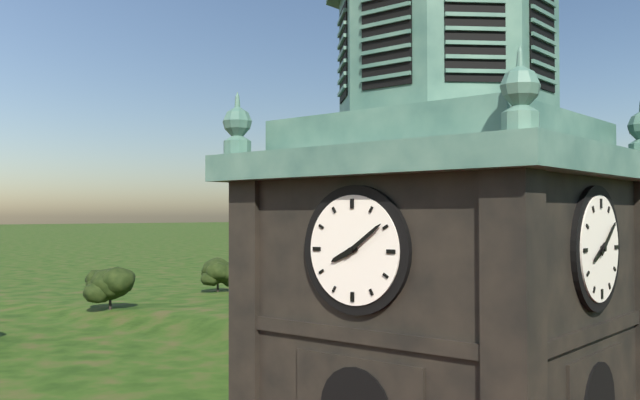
8:09
